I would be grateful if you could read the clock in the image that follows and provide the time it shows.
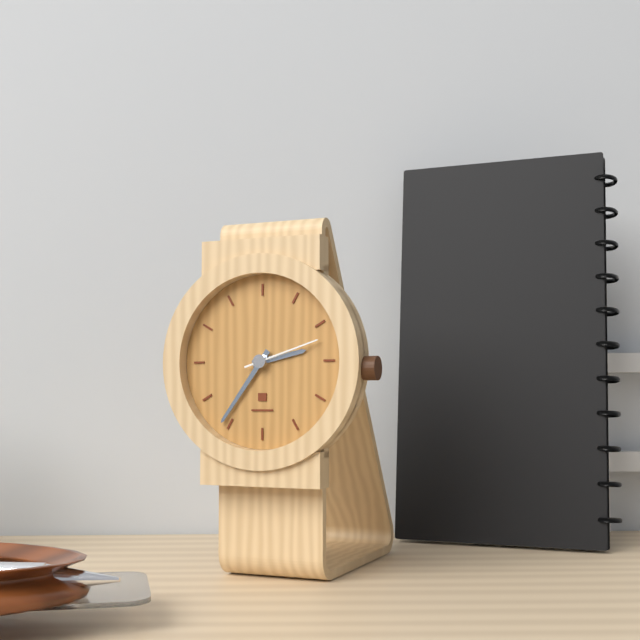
2:36:12
